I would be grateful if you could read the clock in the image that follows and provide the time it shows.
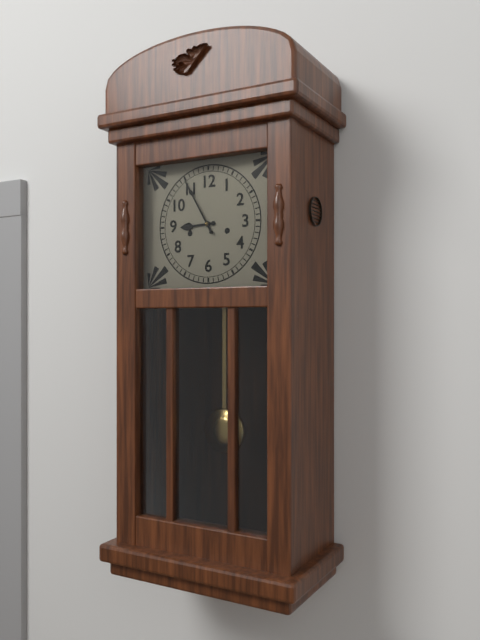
8:55
